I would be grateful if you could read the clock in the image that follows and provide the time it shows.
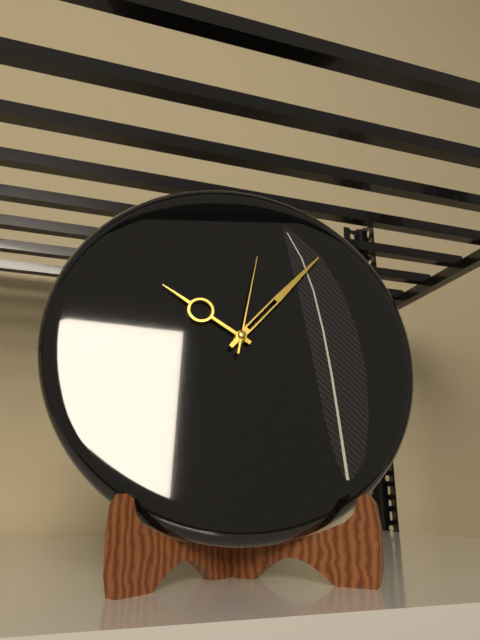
10:07:02
